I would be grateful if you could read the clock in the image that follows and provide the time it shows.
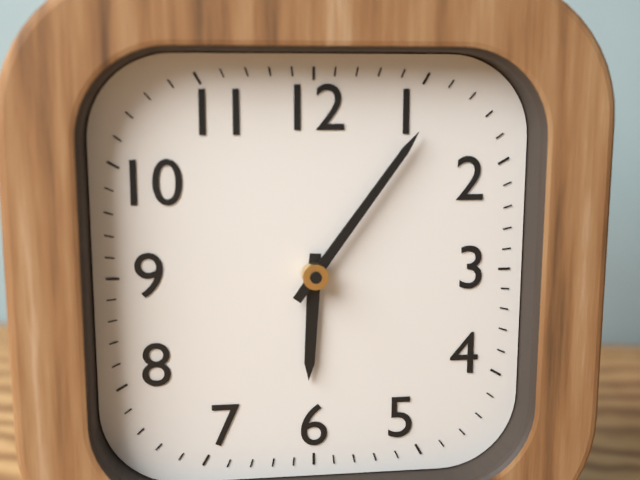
6:06
